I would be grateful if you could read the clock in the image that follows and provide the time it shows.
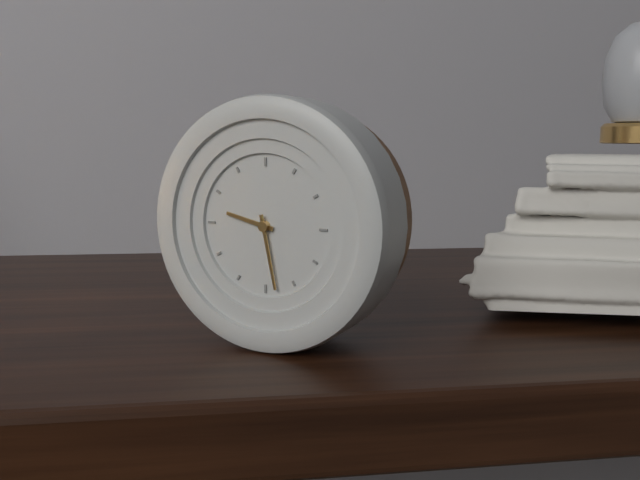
9:28
